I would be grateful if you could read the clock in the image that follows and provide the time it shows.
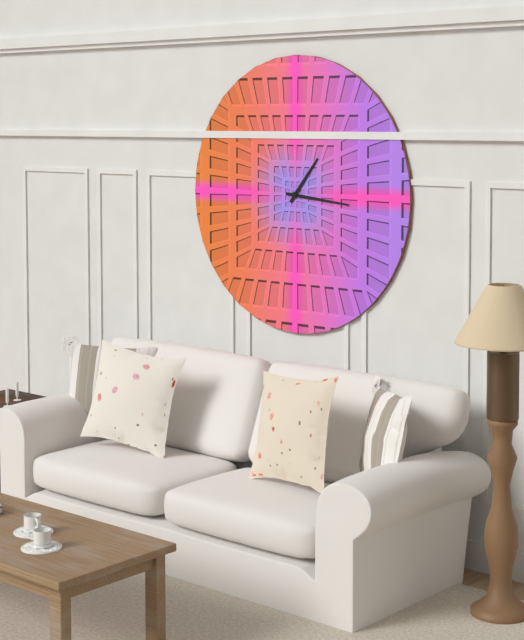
1:16
